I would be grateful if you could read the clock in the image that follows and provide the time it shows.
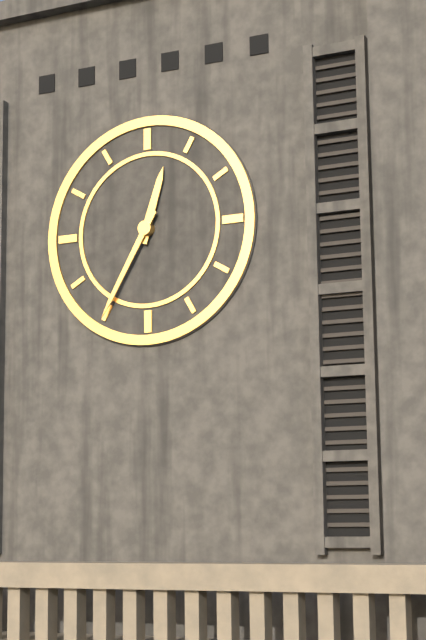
12:35
